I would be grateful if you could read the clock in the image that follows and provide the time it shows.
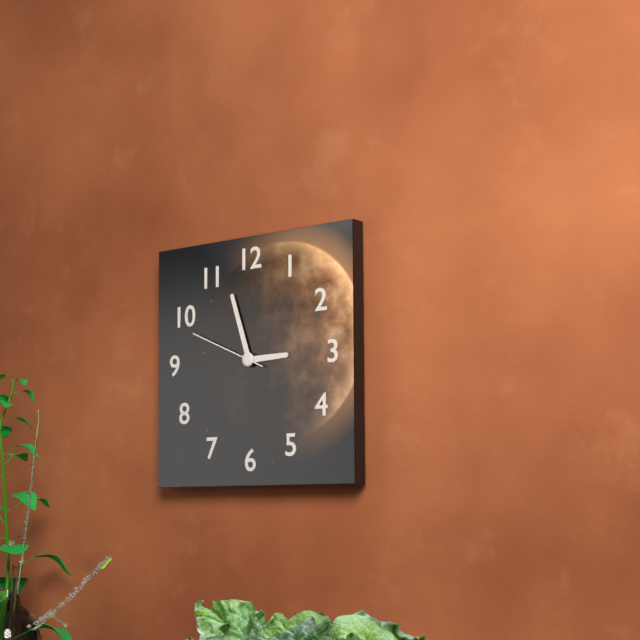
2:57:49
